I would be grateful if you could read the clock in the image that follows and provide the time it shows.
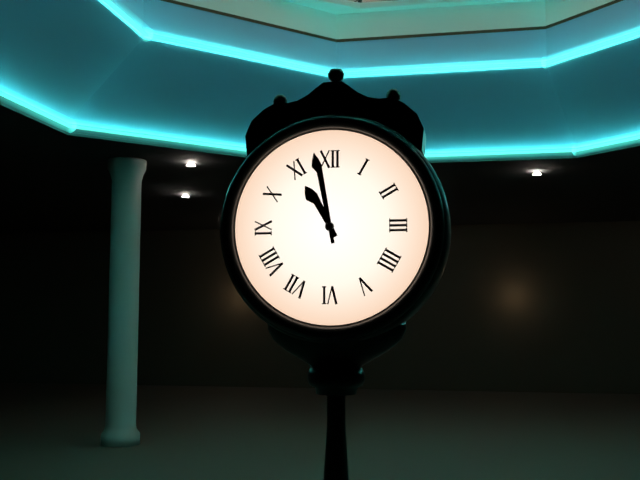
10:58
